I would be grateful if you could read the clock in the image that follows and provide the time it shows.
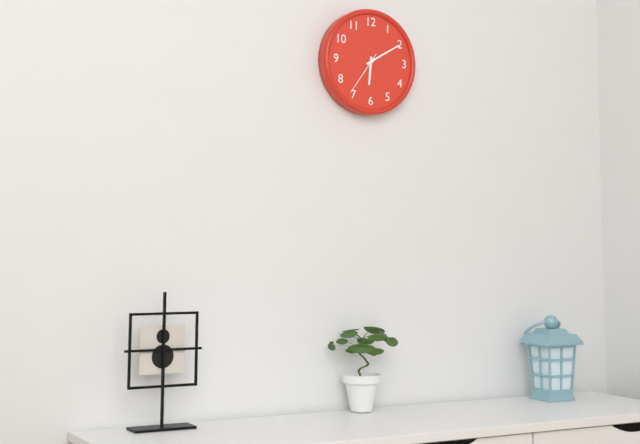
6:10
